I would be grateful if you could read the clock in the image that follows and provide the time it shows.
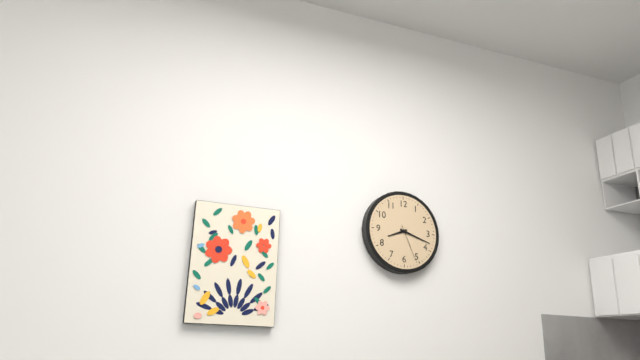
8:18
